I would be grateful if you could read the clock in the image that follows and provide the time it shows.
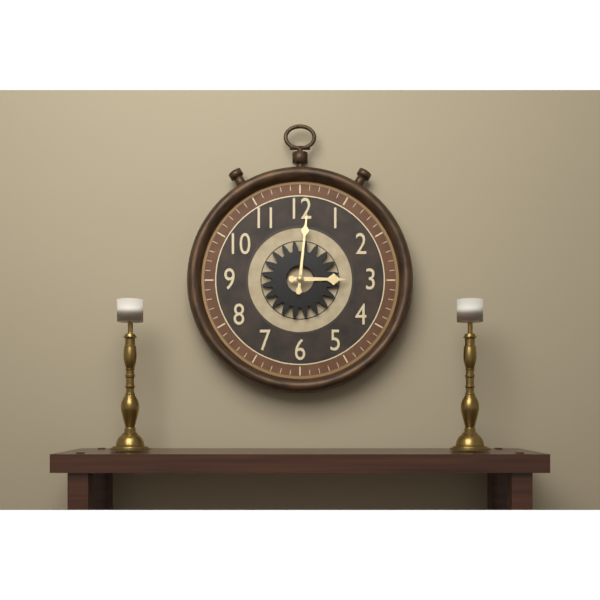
3:01
